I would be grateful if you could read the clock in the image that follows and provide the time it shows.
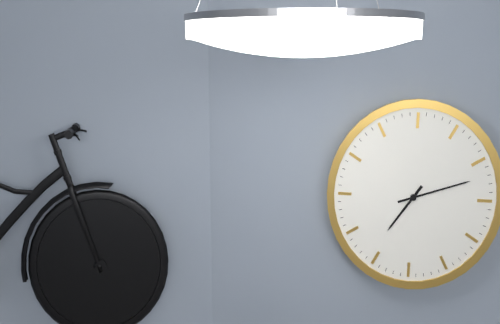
7:12
